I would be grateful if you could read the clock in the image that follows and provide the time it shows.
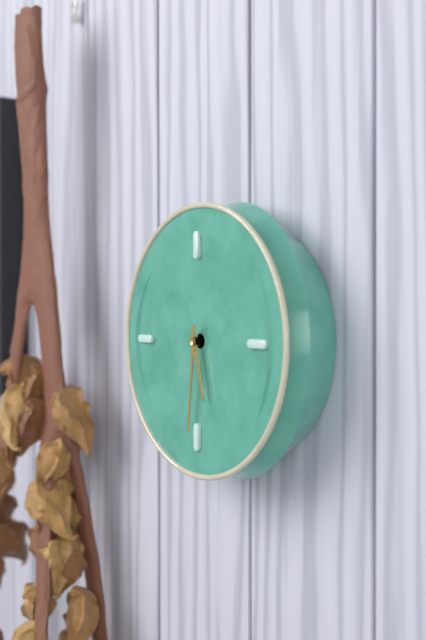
5:31
